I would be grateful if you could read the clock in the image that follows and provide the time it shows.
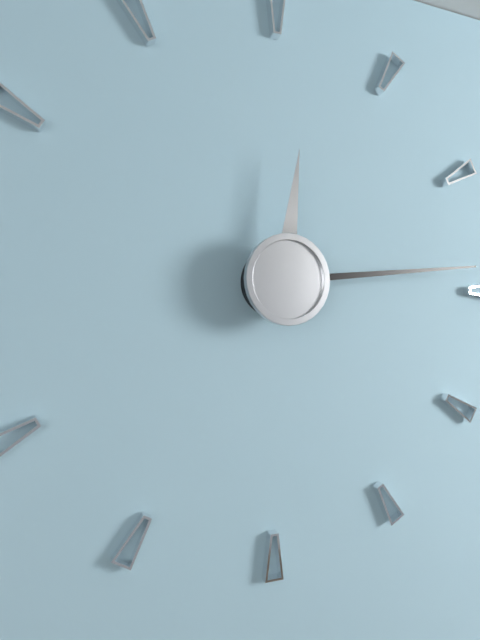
12:14
